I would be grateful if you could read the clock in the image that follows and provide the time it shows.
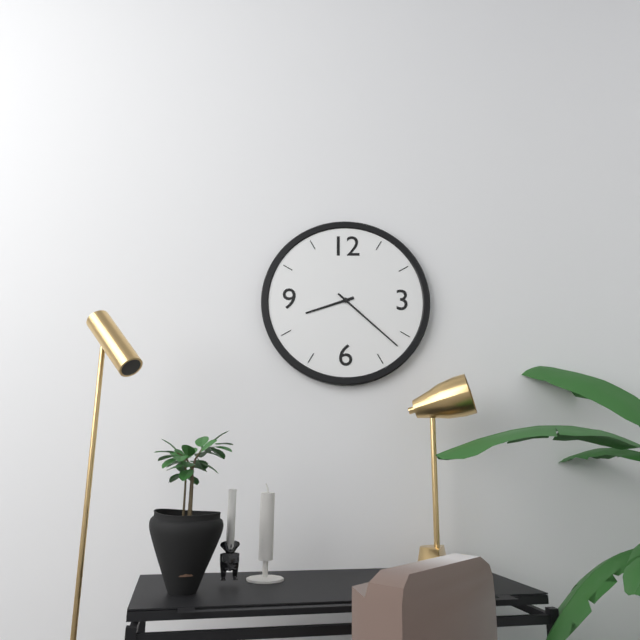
8:22
